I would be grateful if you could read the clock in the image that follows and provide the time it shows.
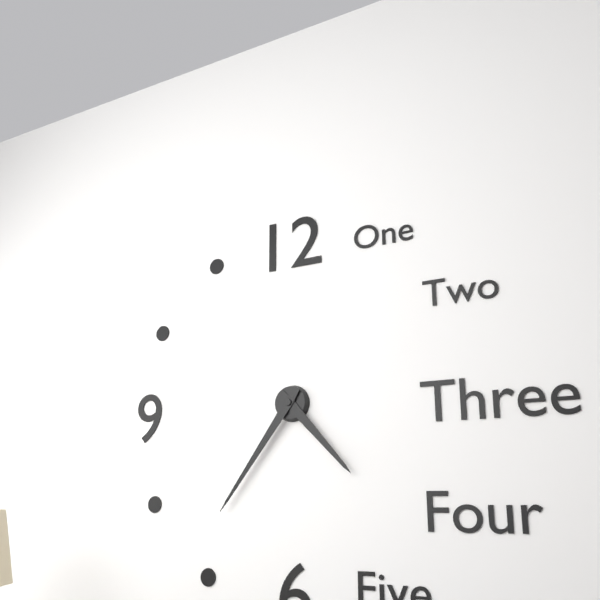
4:36
